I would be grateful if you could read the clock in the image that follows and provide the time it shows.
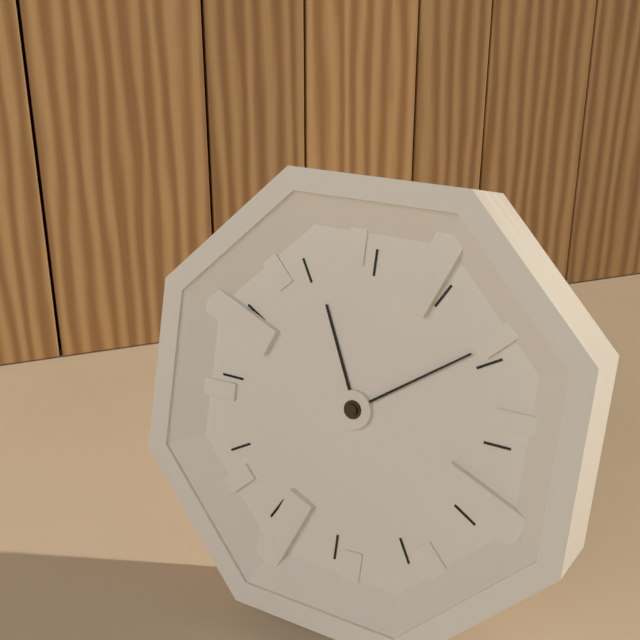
11:09
